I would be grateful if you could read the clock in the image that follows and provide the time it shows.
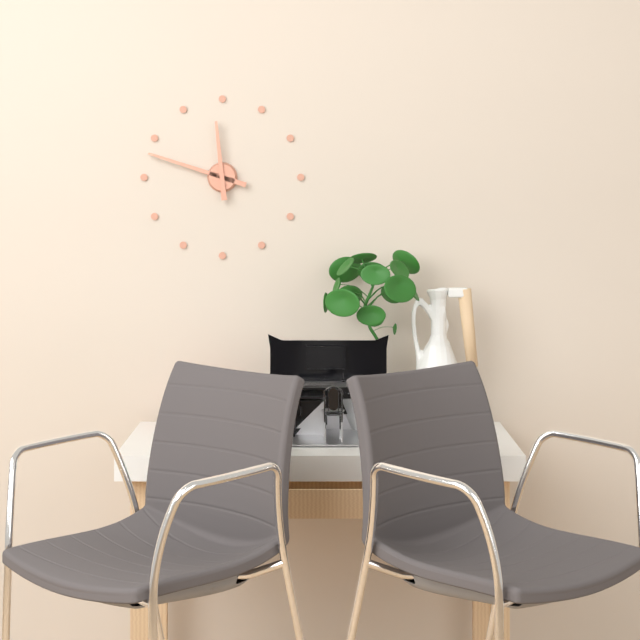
11:48
